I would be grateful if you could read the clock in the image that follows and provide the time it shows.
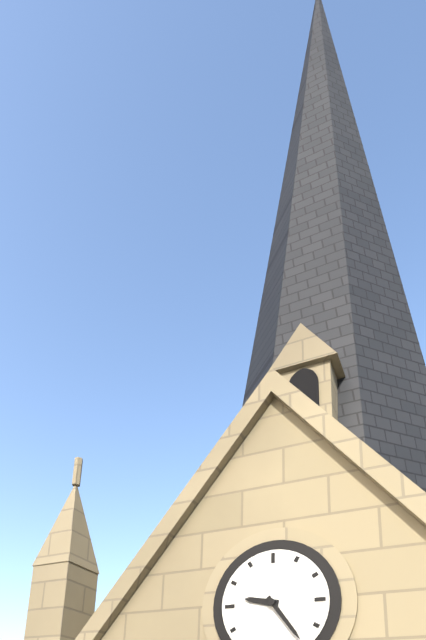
9:24
